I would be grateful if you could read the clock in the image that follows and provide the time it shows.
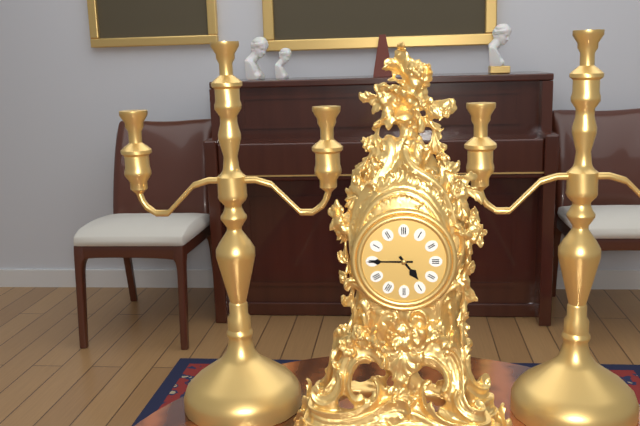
4:45
